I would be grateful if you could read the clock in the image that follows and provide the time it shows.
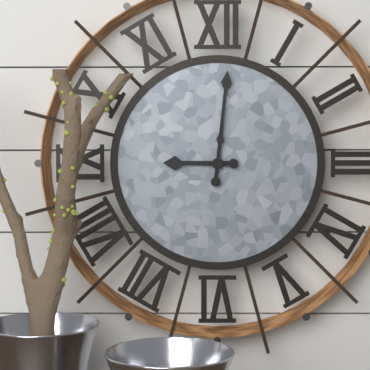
9:01
